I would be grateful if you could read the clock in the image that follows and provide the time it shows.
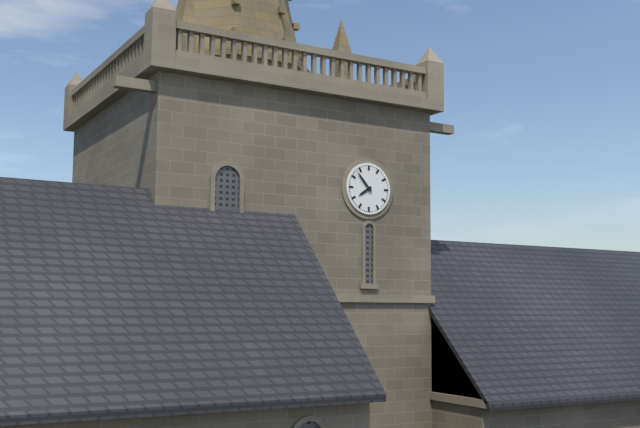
7:53
